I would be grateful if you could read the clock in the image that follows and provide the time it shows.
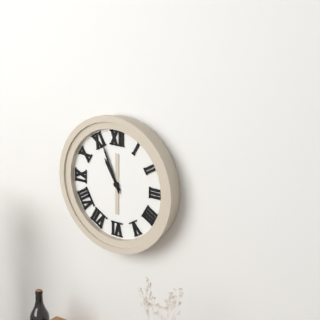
10:56
